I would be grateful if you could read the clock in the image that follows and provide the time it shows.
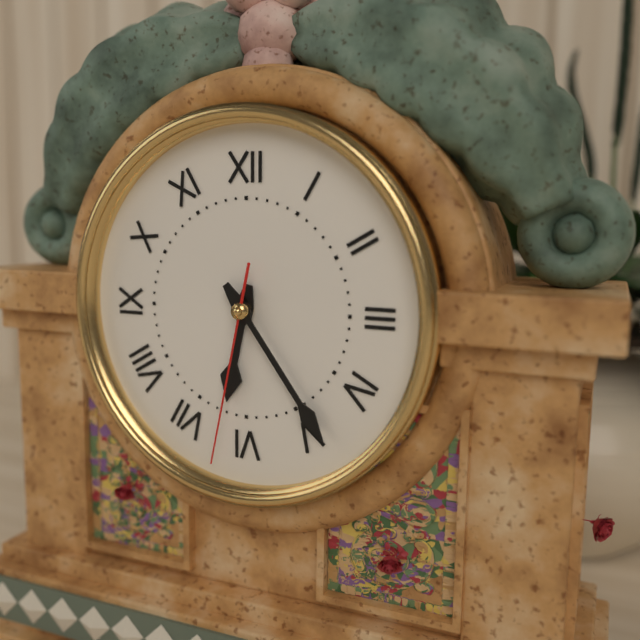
6:24:32
